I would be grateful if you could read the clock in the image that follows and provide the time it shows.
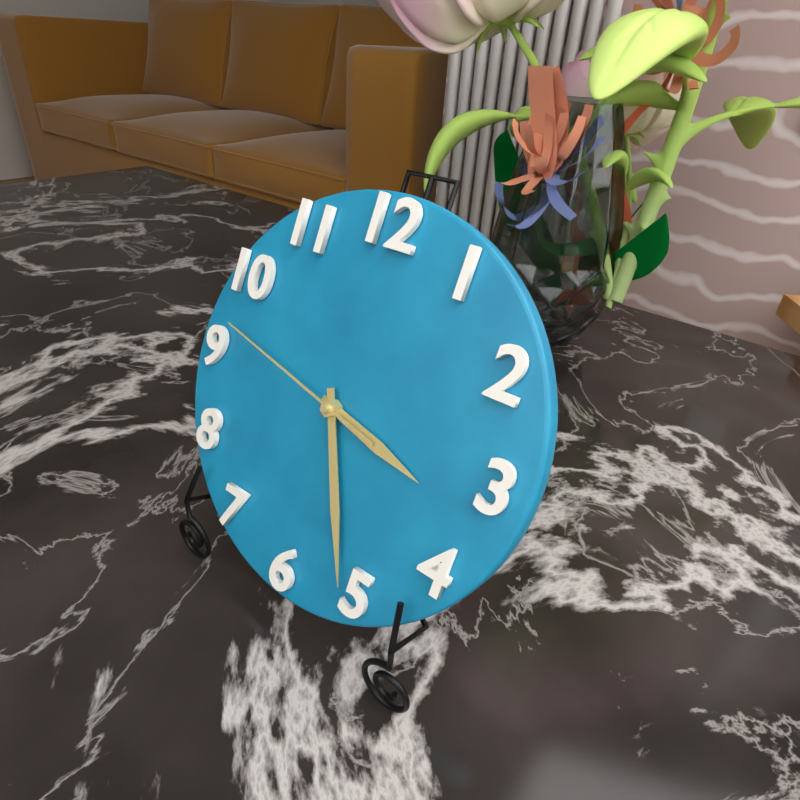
3:26:47
